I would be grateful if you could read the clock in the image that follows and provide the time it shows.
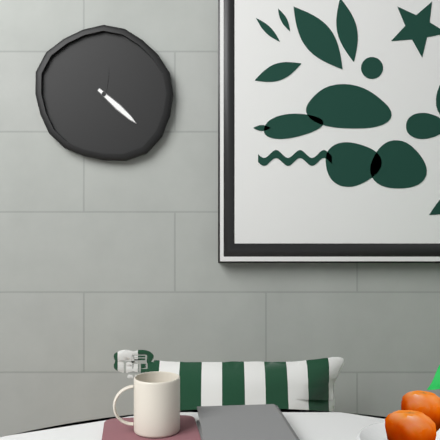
12:22
